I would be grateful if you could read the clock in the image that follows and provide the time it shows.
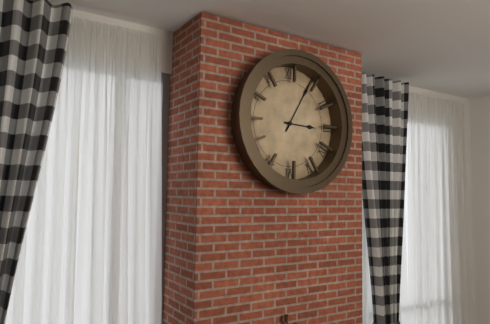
3:05
